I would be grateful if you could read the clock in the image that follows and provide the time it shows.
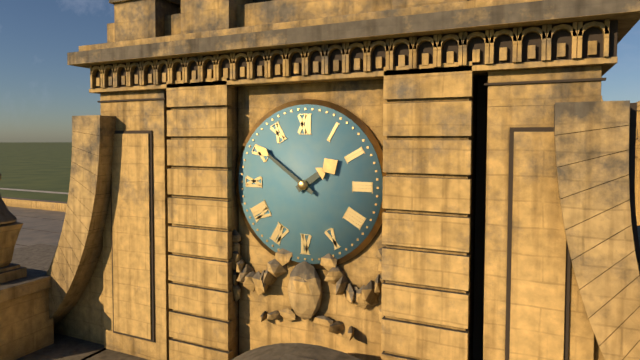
1:51
